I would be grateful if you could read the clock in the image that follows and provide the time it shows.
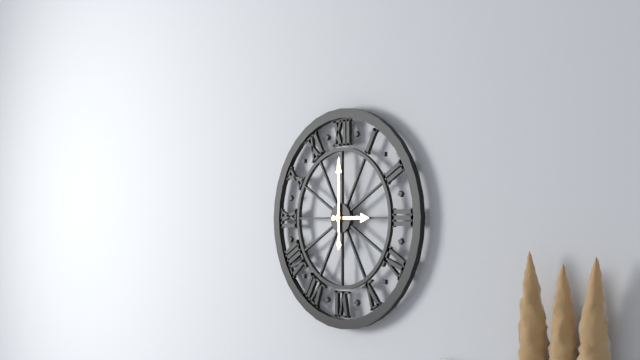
3:00
